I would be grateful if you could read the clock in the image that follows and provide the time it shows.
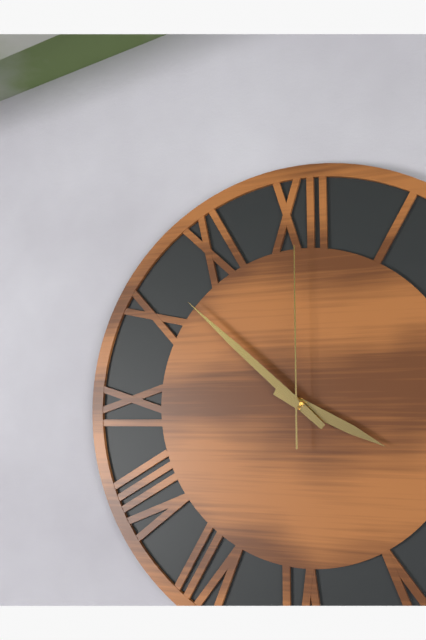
3:52:00
